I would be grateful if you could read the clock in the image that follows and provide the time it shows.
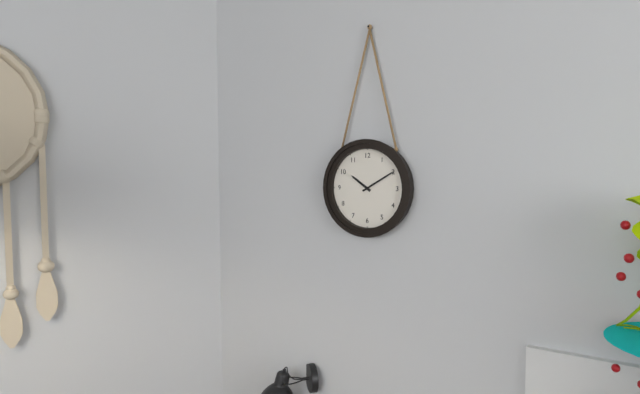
10:10
